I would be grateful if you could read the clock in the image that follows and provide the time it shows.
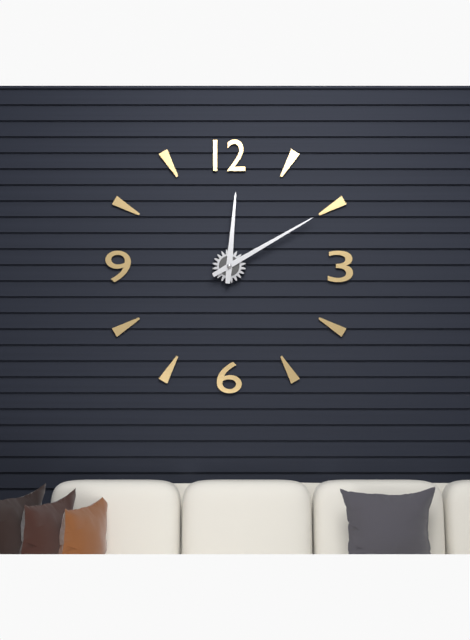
12:10
